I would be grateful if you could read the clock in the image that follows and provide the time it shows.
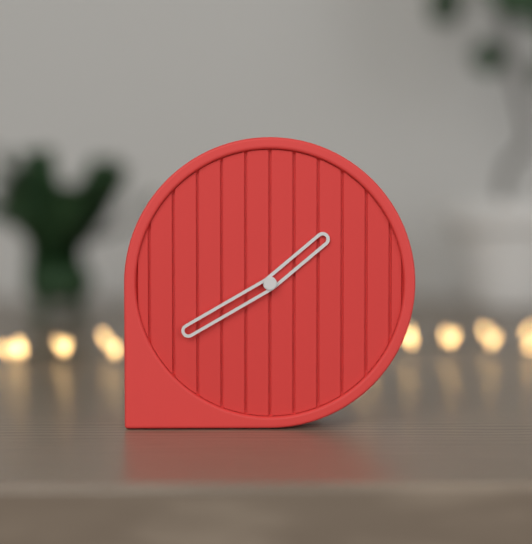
1:40
